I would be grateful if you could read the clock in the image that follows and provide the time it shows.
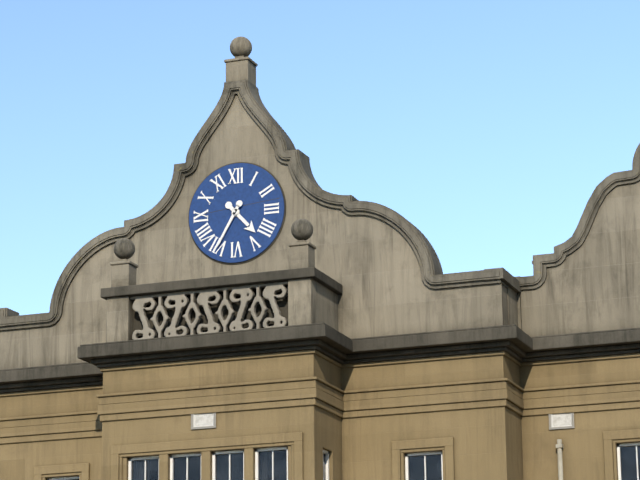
4:35
